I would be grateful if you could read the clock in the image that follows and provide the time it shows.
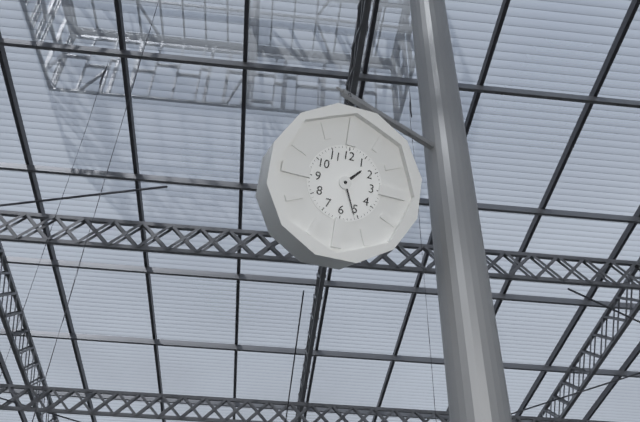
1:26
